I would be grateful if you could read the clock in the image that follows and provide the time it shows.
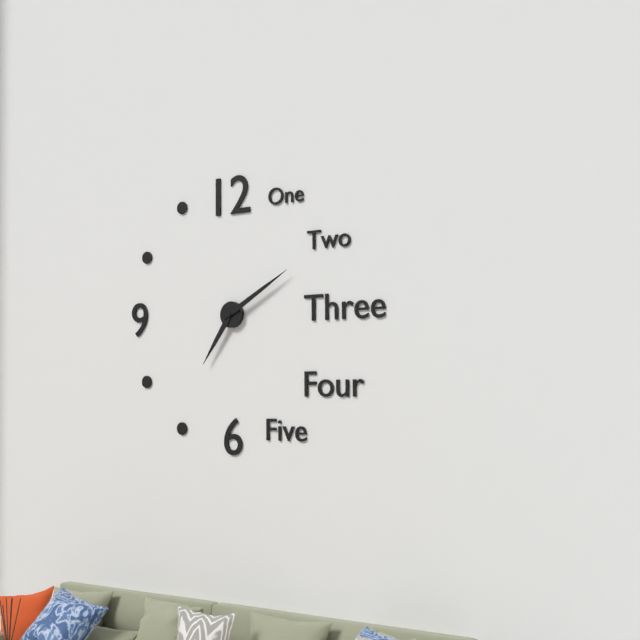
7:10
